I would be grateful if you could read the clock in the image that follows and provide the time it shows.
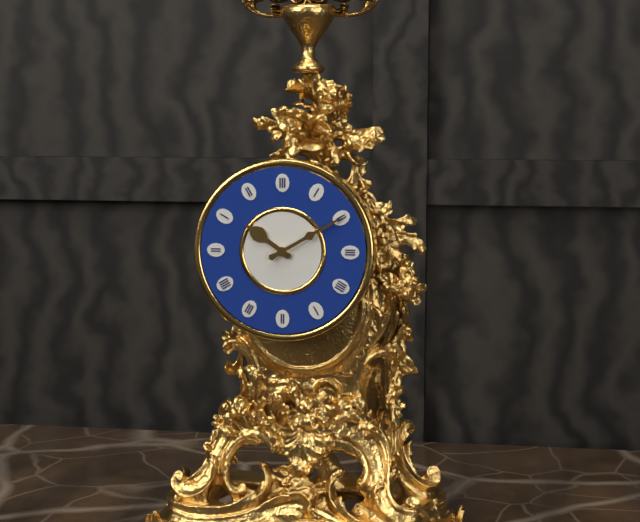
10:10
